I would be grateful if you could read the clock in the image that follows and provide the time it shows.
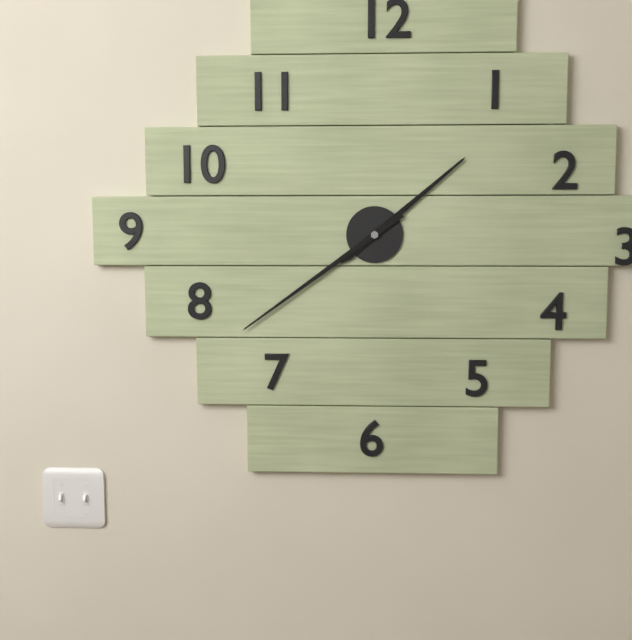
1:39
